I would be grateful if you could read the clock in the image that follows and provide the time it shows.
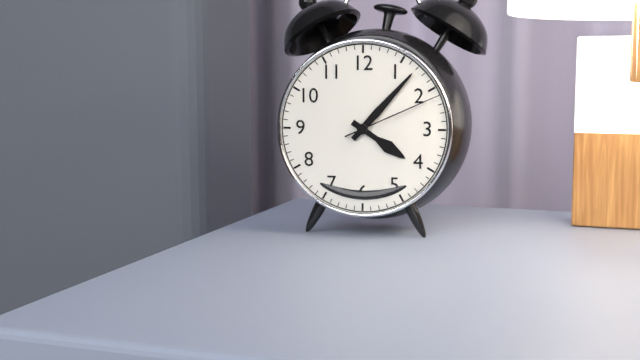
4:07:11
